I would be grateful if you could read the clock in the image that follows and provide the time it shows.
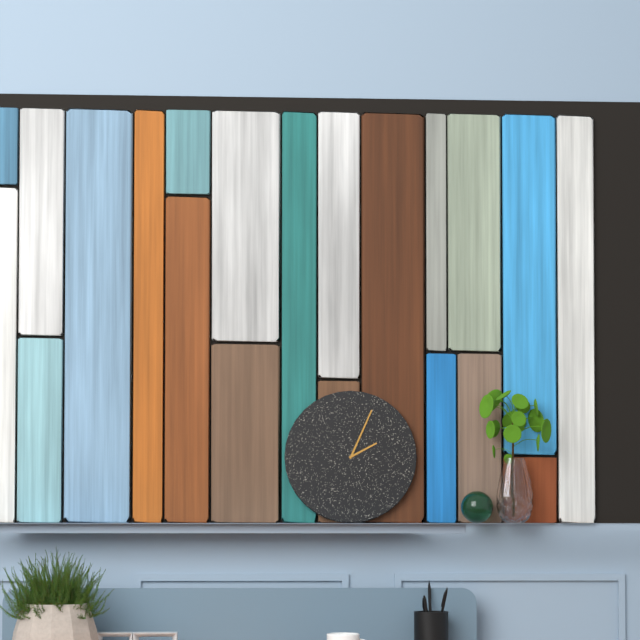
2:04
